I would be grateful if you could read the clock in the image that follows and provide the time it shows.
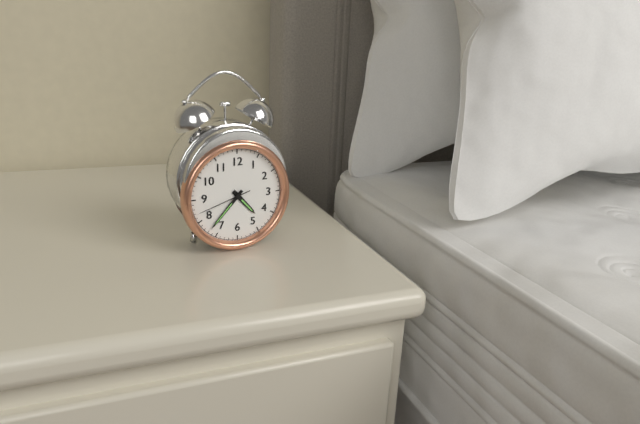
4:37:42
